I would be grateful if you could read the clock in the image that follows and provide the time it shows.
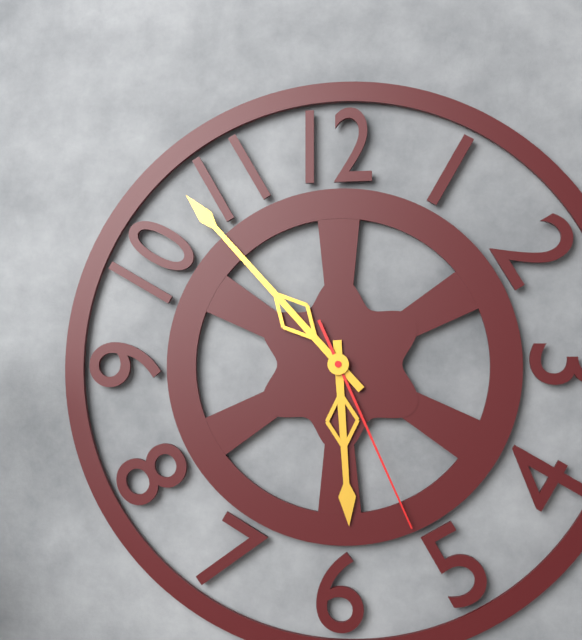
5:53:26
